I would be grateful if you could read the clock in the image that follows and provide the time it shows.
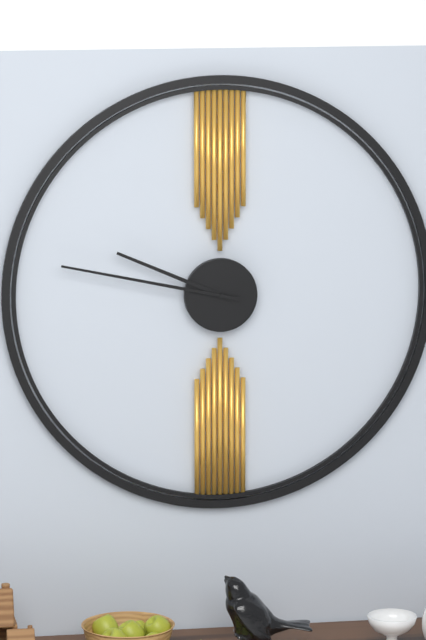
9:47
